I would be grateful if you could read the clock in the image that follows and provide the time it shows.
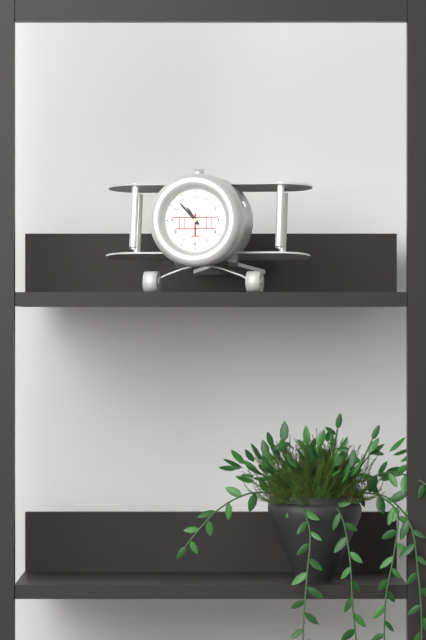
10:53
